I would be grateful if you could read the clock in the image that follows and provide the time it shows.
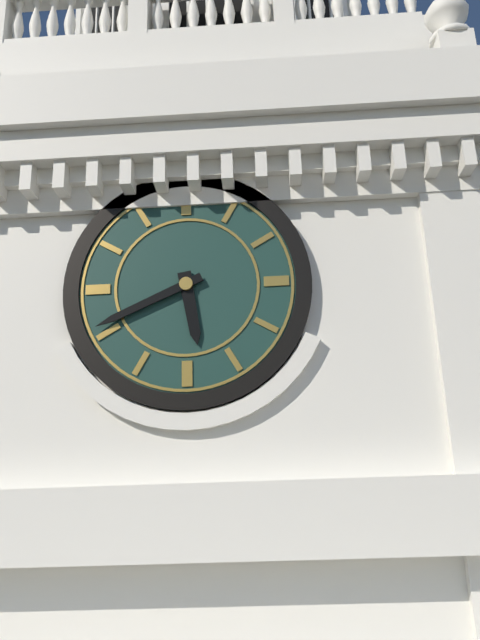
5:41
